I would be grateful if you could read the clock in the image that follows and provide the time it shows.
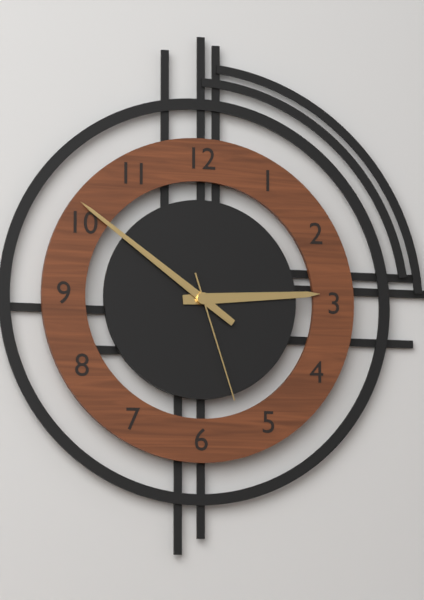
2:51:27
